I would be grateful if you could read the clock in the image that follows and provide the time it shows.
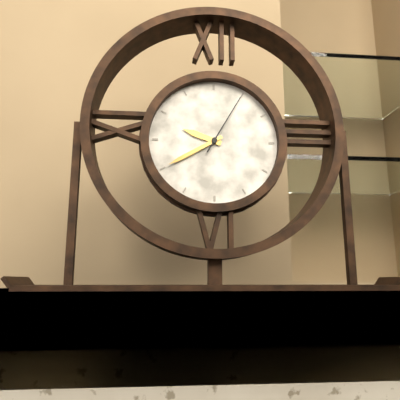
9:40:05
